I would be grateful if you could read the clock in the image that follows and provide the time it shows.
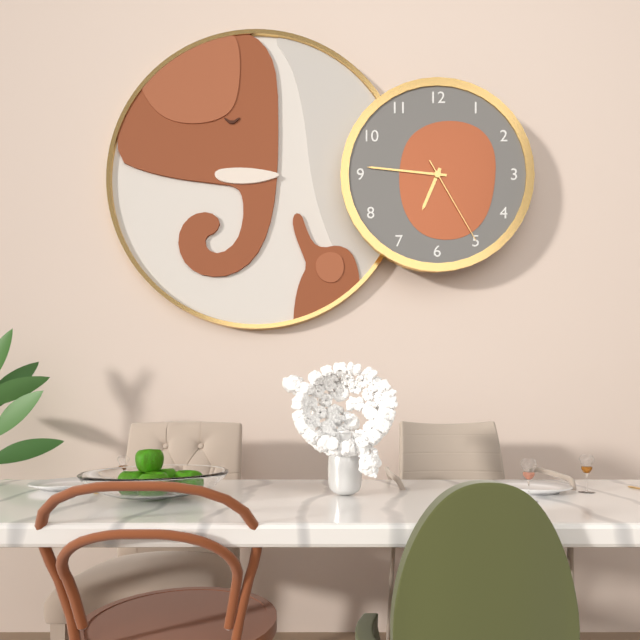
6:46:25
